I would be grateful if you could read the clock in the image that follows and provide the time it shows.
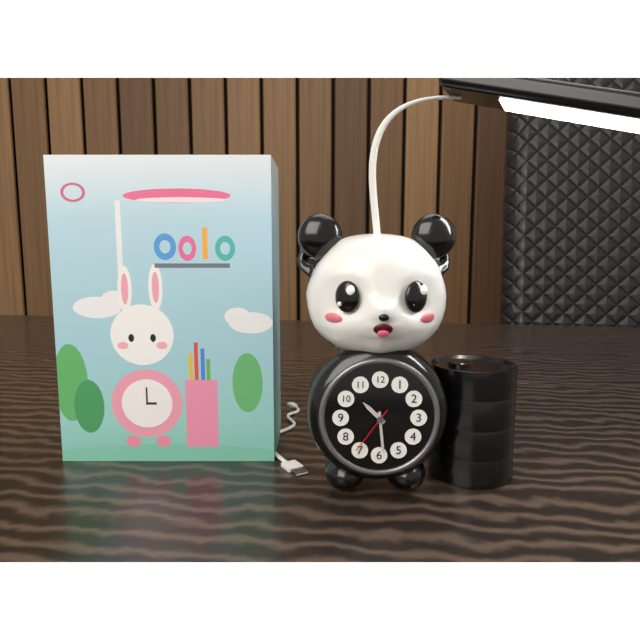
10:29
